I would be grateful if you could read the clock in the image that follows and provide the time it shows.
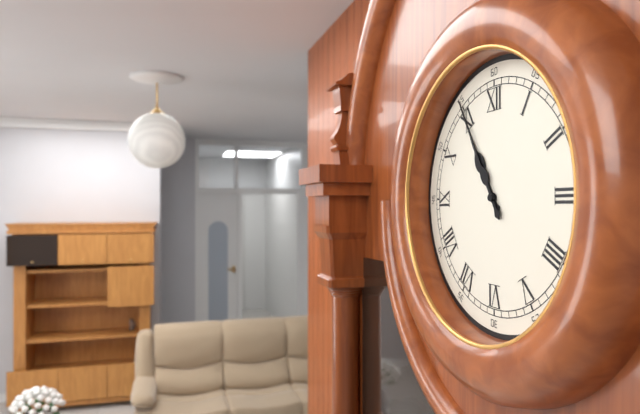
10:55
